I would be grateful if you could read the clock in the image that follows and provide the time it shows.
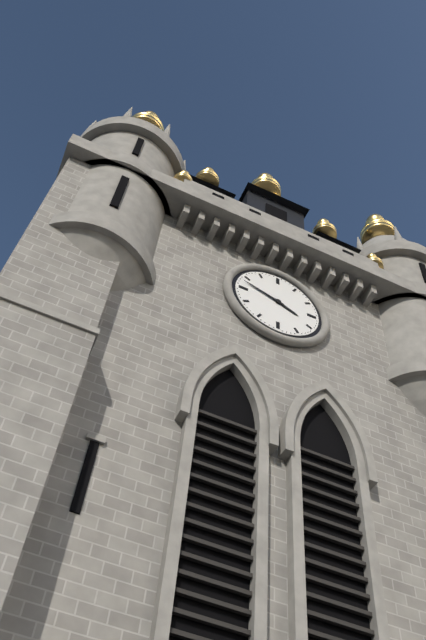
3:48
